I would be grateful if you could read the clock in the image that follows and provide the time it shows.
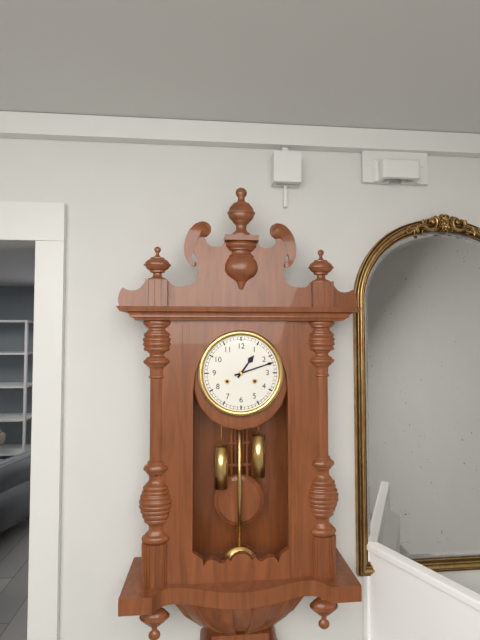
1:12
